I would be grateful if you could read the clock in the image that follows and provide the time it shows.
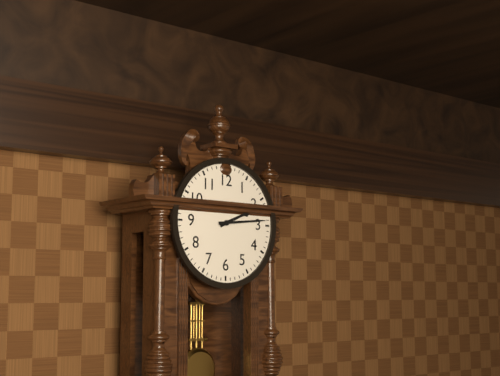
2:14
